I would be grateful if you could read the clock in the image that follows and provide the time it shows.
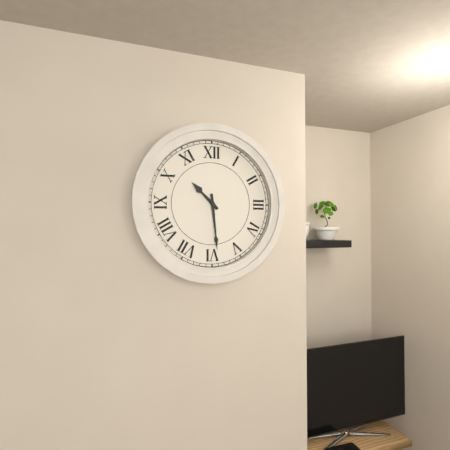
10:29
